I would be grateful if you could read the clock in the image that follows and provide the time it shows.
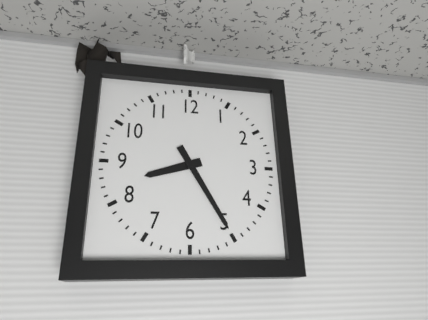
8:25
